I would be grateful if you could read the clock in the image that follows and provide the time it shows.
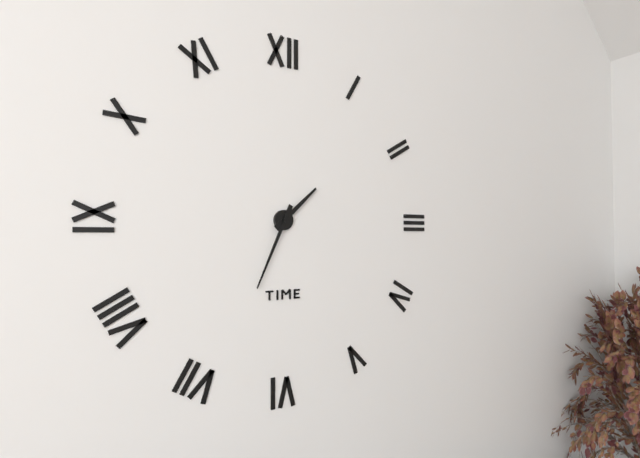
1:34
